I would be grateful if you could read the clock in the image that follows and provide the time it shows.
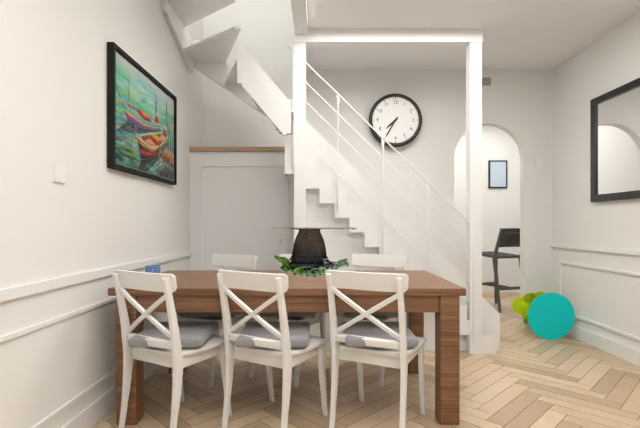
7:35
